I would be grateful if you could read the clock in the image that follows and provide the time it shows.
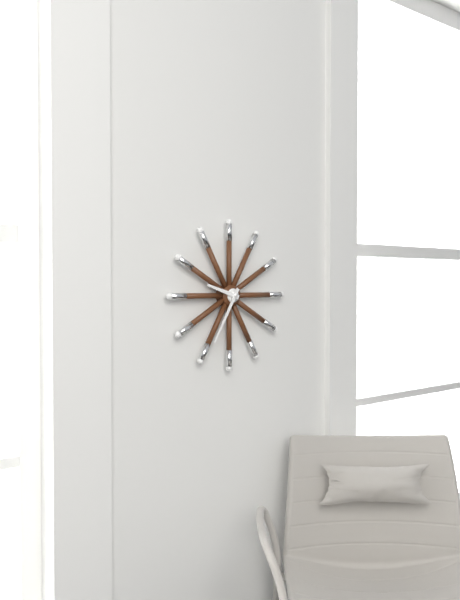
9:35
